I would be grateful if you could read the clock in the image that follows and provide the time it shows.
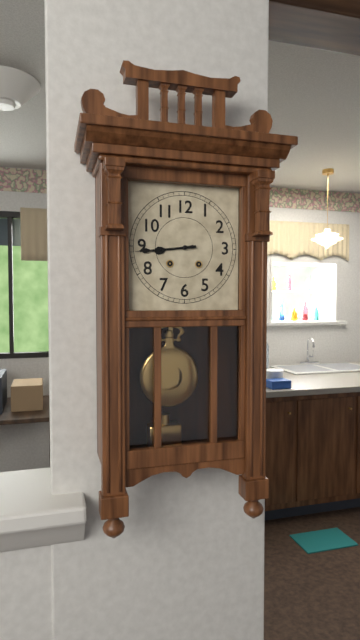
8:44
